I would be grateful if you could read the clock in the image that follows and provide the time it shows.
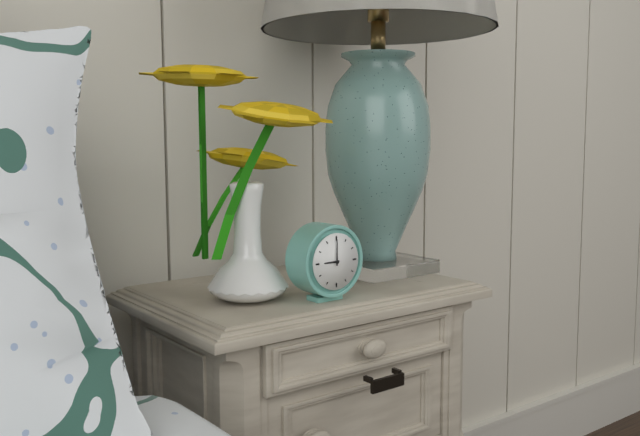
9:00
